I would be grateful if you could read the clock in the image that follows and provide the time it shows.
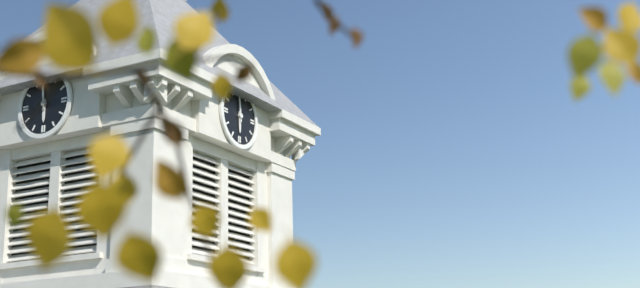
5:59
